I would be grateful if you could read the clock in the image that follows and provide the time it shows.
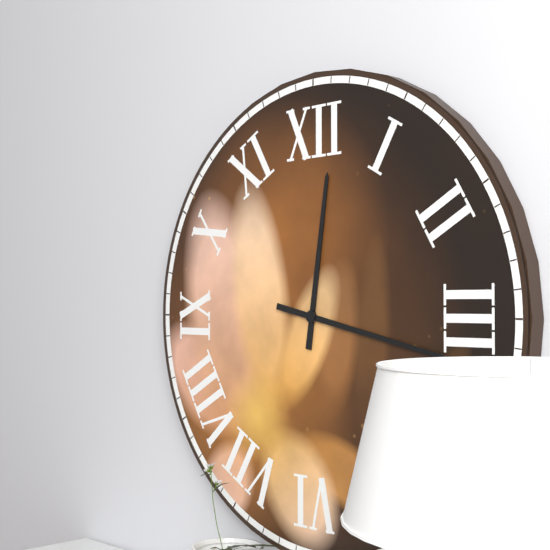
12:17
